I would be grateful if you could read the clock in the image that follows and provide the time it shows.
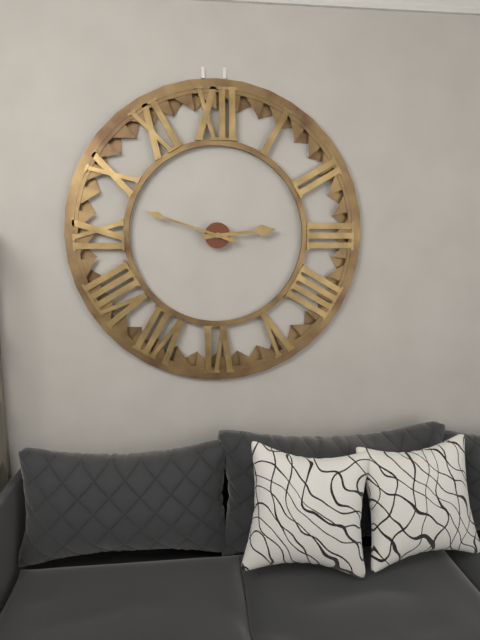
2:48
